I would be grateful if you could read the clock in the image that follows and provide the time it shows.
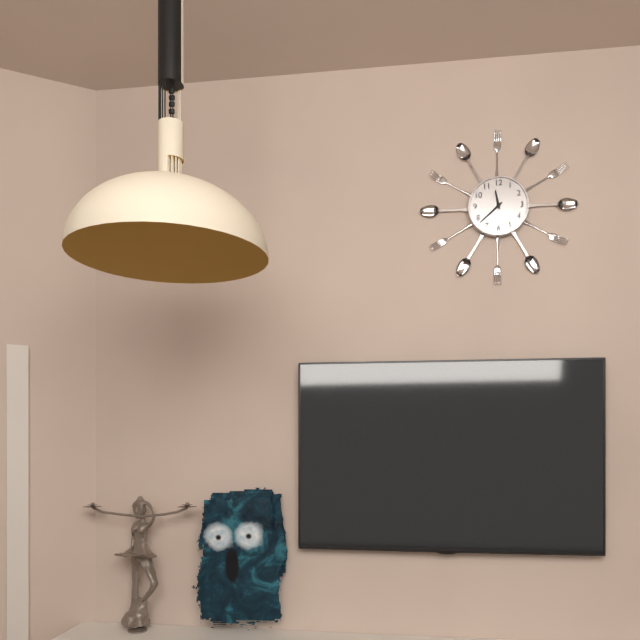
11:38
